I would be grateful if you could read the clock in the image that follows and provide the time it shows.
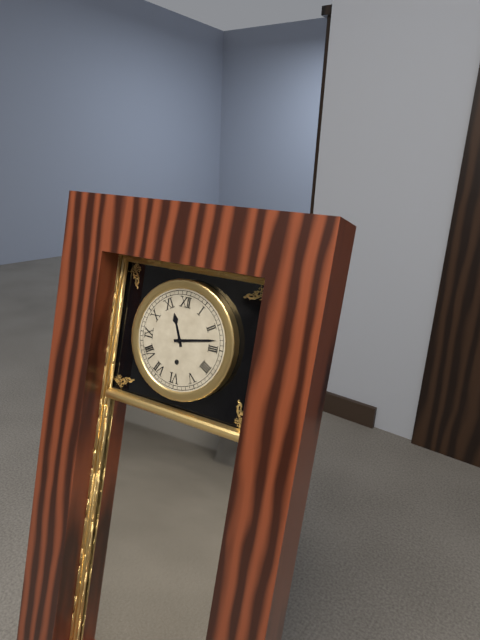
11:13
